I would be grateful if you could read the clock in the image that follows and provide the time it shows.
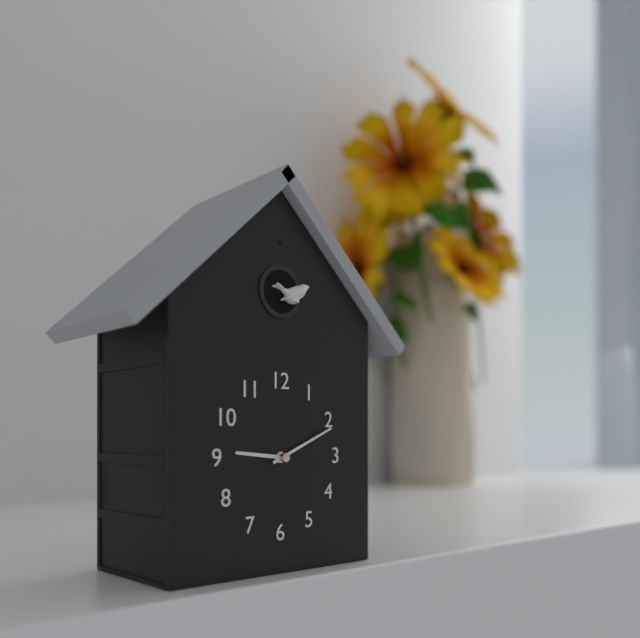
9:11
